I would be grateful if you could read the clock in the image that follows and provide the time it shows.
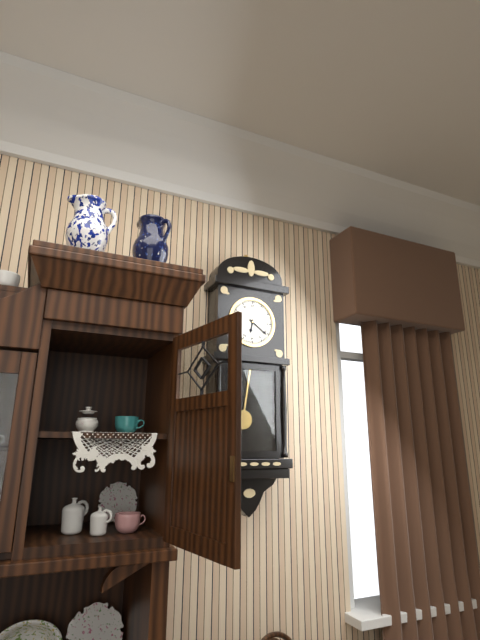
6:21
